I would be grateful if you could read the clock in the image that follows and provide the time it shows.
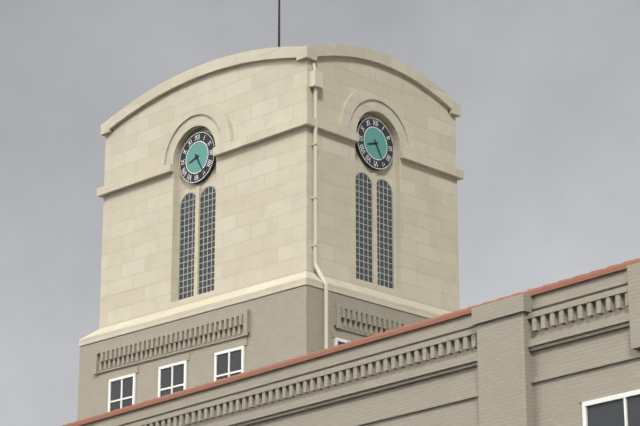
8:25
